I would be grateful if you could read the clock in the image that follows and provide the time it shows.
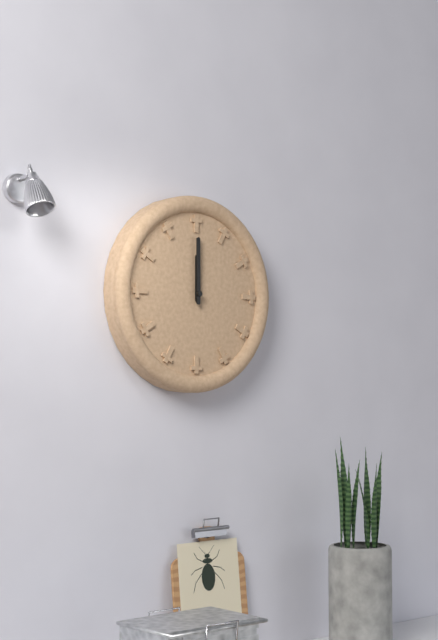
12:00
